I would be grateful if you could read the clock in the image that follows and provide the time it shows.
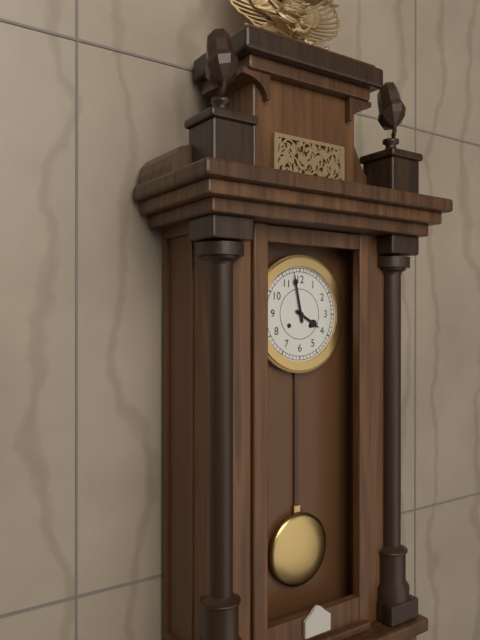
3:58
